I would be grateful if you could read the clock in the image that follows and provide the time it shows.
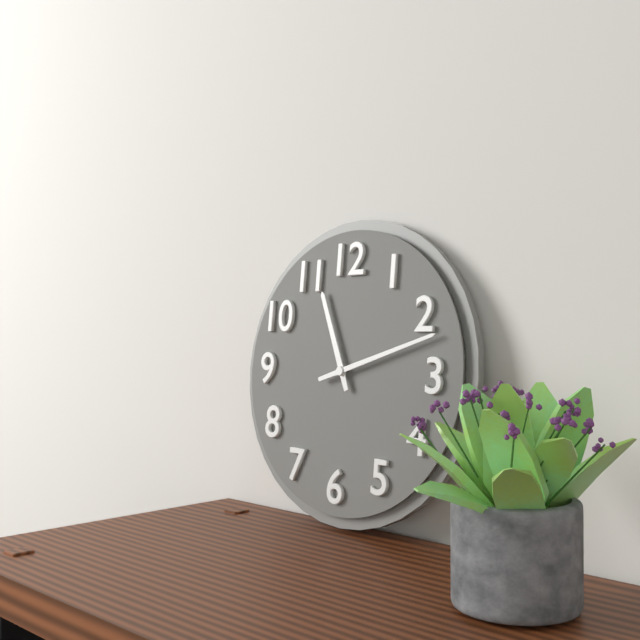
11:12
